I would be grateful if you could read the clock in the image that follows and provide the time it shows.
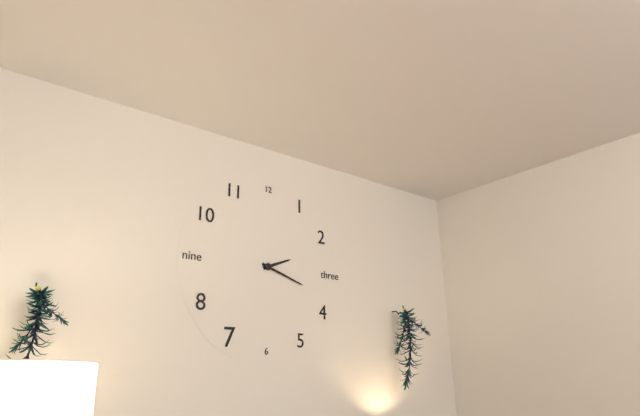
2:18
